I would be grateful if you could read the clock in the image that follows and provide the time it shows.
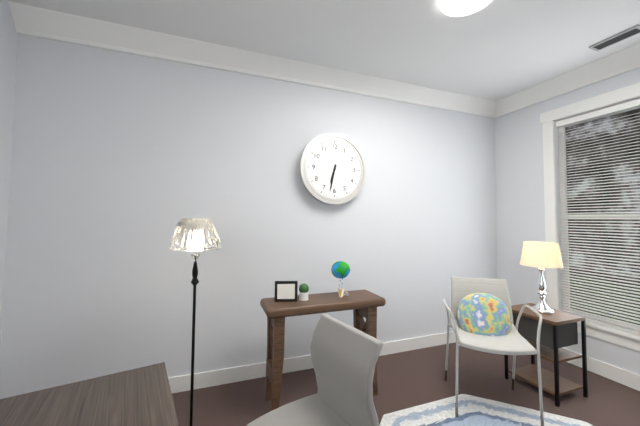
6:32
